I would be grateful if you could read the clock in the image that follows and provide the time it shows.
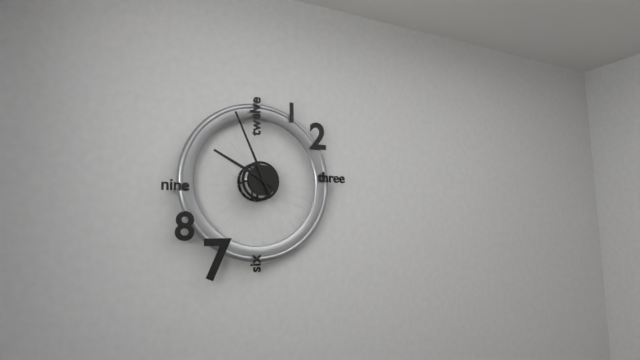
9:56
